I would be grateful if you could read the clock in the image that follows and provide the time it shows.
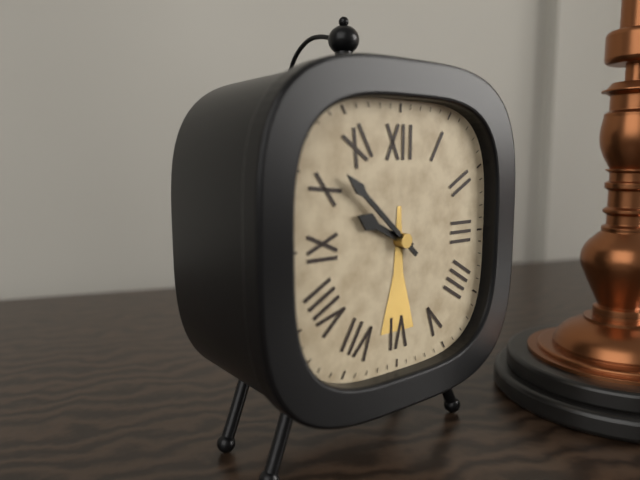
9:52
